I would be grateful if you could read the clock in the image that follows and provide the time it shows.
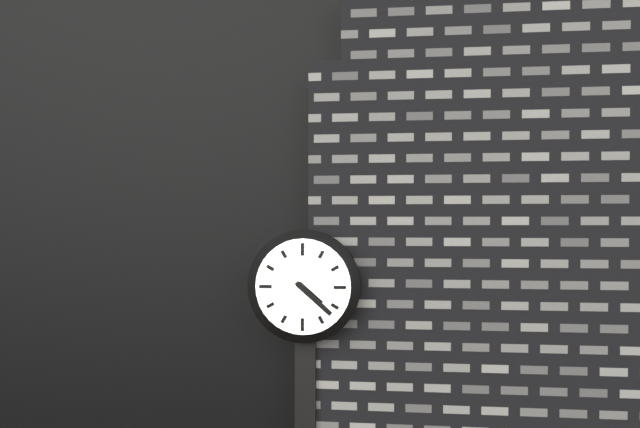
4:22
